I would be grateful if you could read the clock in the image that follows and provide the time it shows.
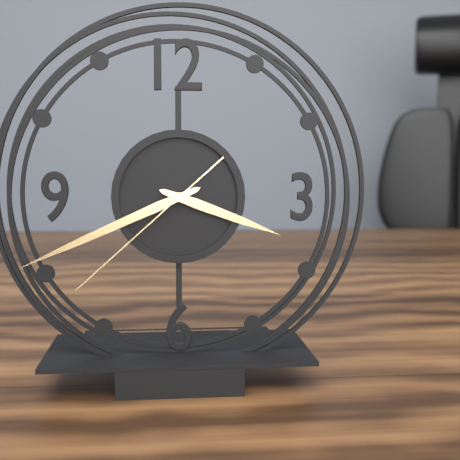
3:41:38
